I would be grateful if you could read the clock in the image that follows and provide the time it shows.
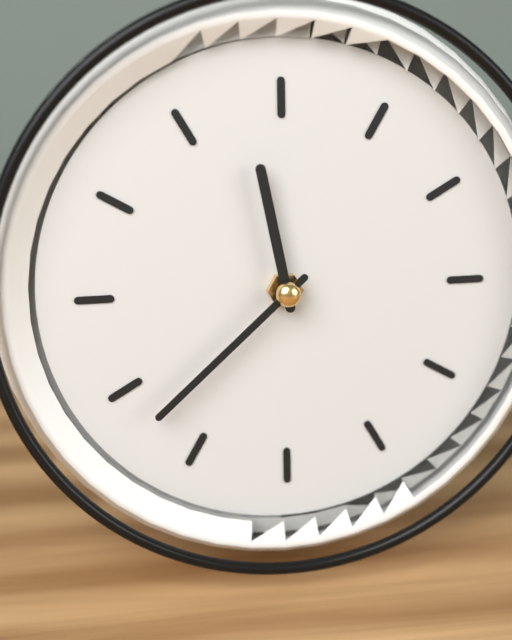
11:38
